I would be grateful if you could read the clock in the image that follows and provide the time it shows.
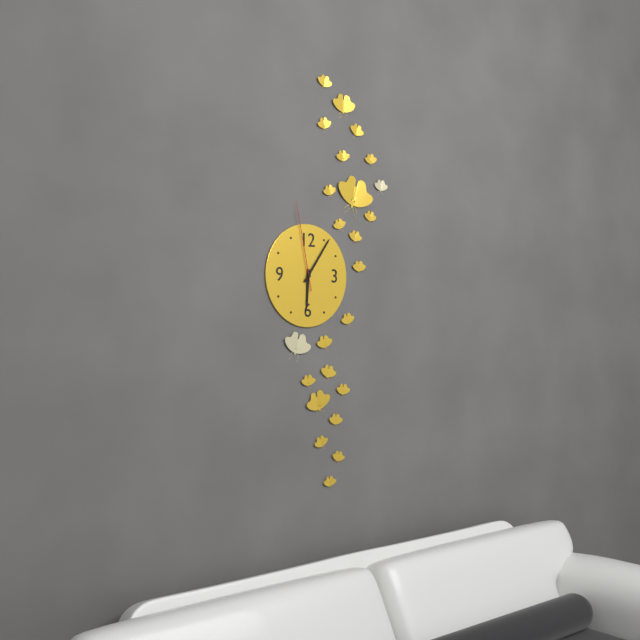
6:06:58
